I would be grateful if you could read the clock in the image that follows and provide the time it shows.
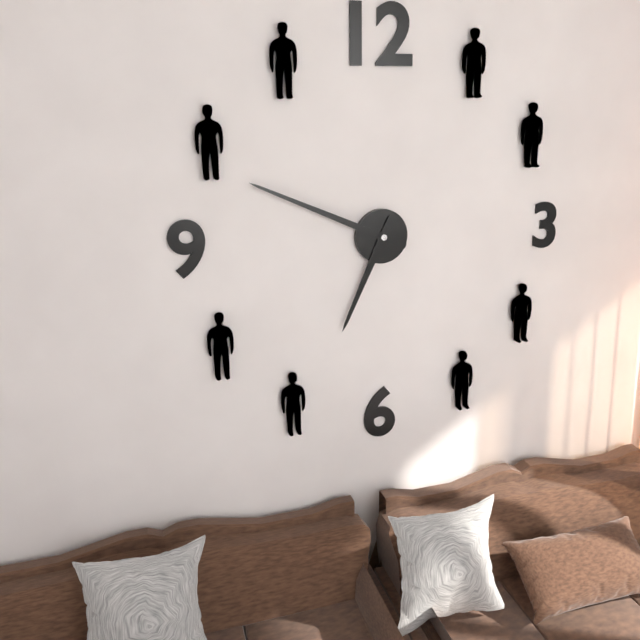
6:49
